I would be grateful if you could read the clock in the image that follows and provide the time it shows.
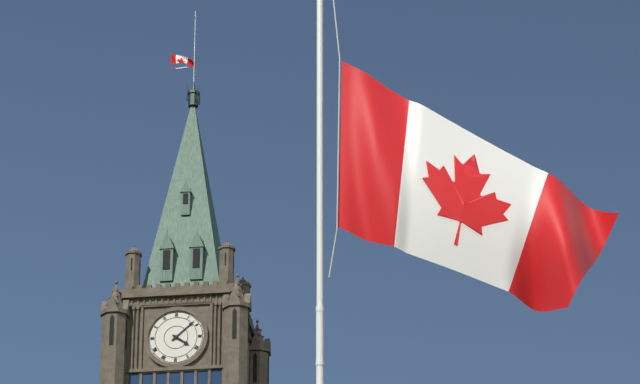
4:08
